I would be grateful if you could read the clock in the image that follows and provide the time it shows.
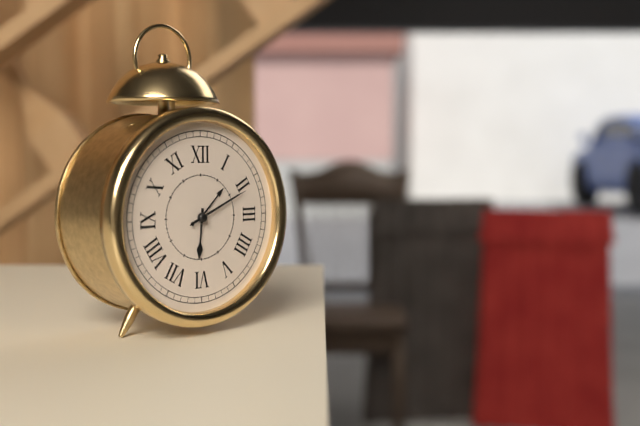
6:11:11
